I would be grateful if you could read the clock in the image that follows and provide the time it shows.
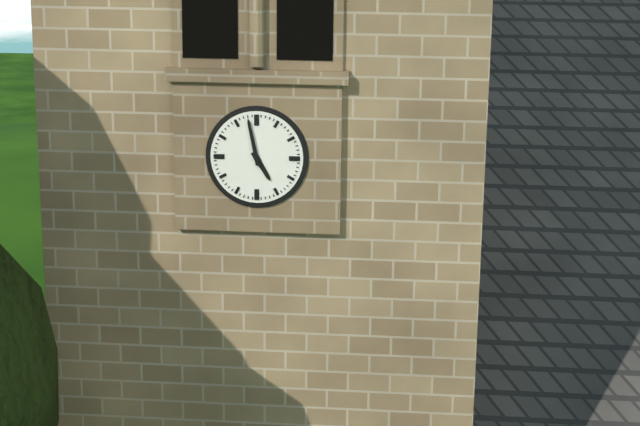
4:58
